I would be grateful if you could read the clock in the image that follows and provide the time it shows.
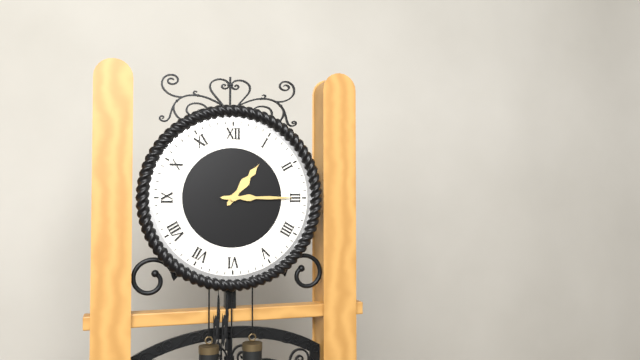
1:15
